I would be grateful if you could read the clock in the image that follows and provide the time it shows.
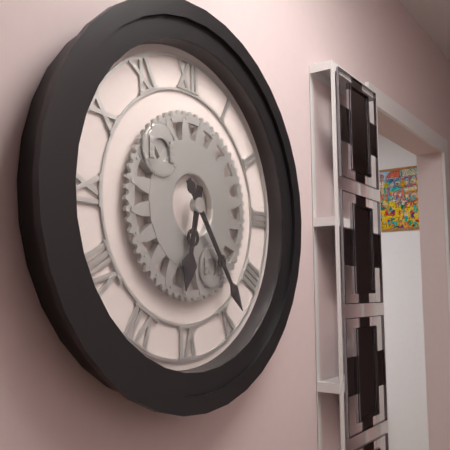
6:24
